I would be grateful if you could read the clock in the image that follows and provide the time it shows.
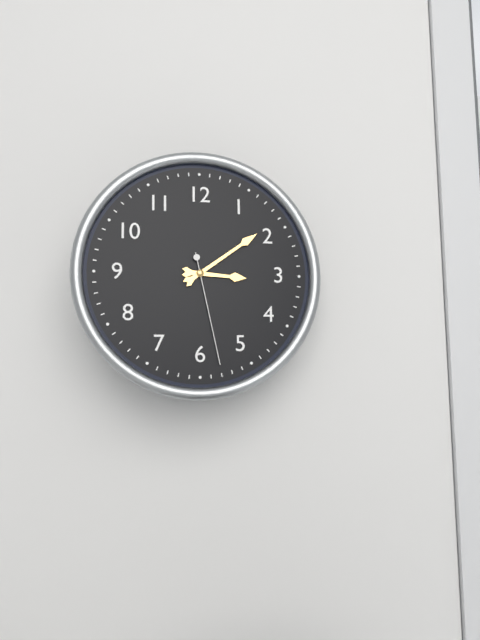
3:09:28
